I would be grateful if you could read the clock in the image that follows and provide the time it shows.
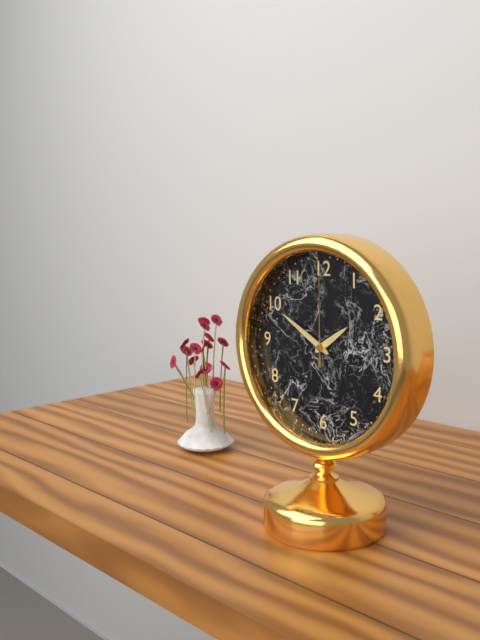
1:50:00
